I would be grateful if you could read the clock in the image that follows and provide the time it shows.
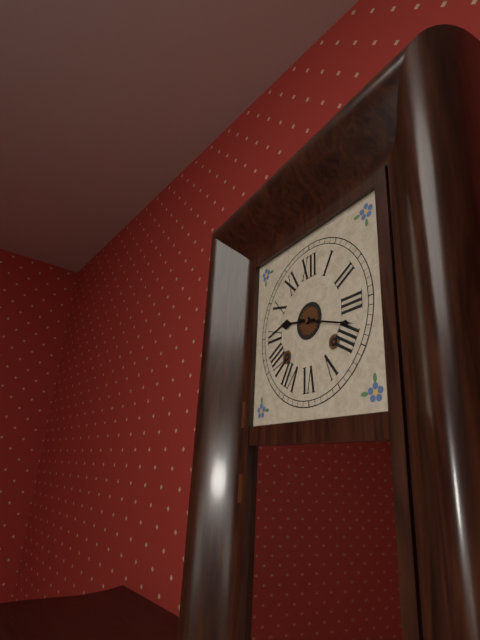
9:18
